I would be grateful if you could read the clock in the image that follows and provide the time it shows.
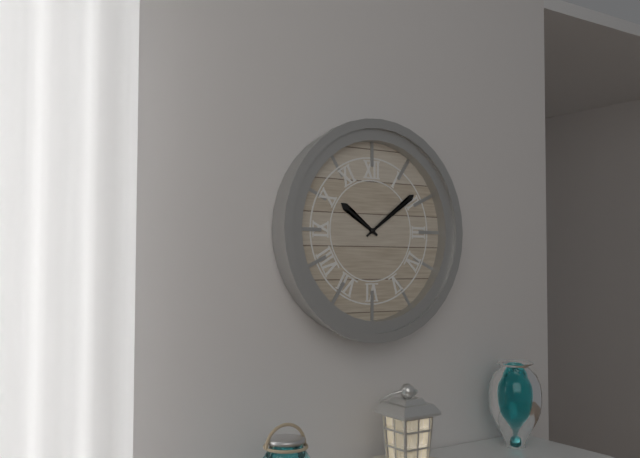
10:09
